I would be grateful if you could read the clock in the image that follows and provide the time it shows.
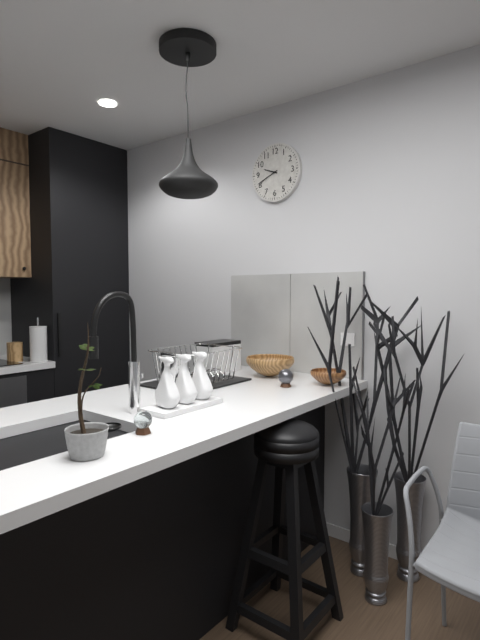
9:41
